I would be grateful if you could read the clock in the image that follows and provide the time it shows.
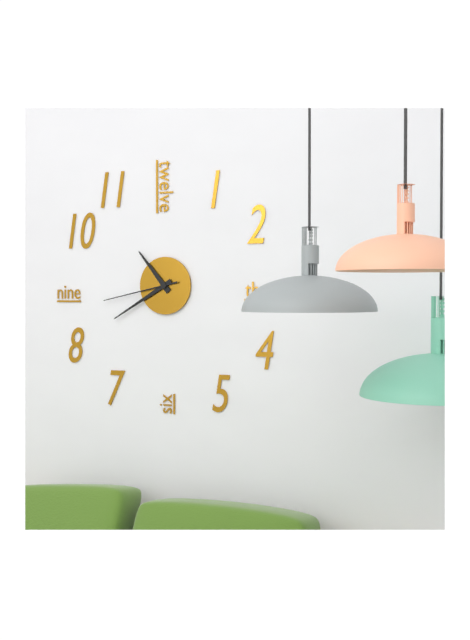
10:40:43
